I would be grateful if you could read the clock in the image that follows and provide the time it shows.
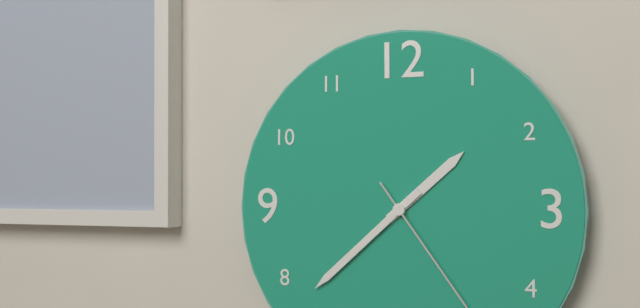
1:38
